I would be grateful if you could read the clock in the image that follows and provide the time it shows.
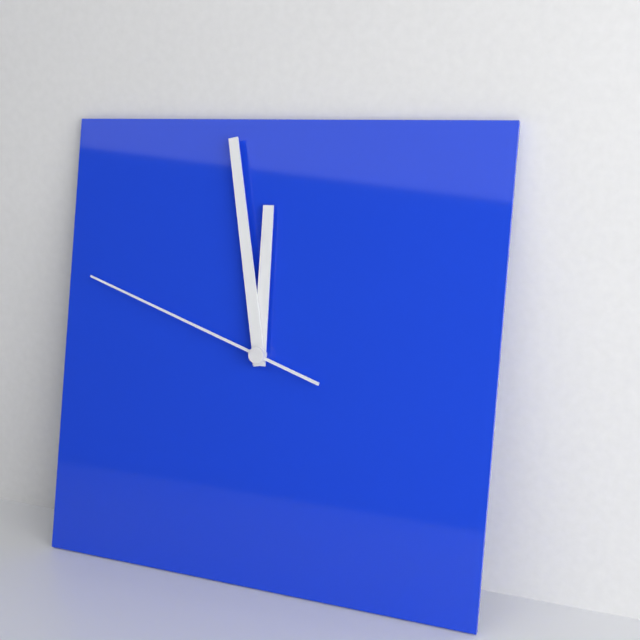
11:58:48
